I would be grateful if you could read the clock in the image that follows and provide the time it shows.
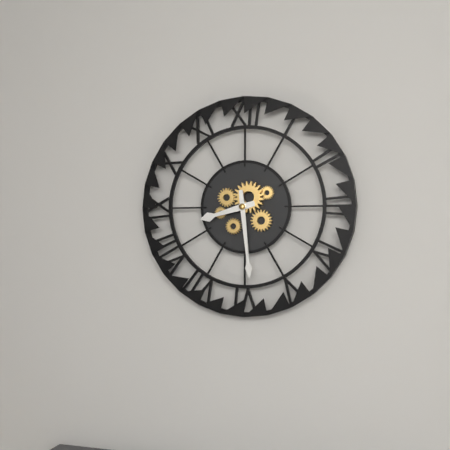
8:29
